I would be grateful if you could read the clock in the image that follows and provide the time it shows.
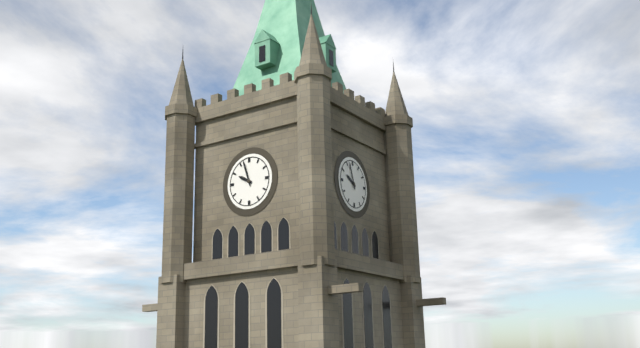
9:57
